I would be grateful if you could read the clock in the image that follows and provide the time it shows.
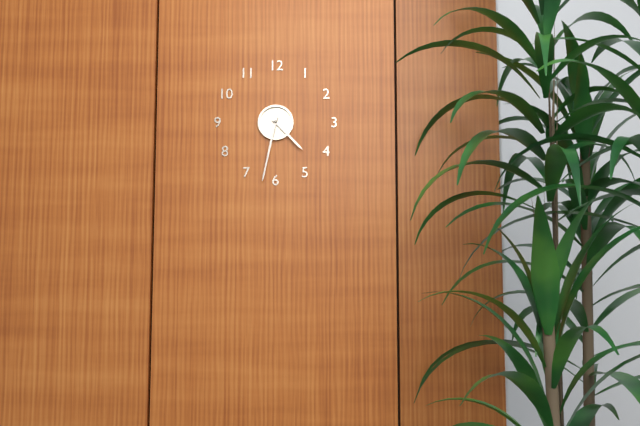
4:32
